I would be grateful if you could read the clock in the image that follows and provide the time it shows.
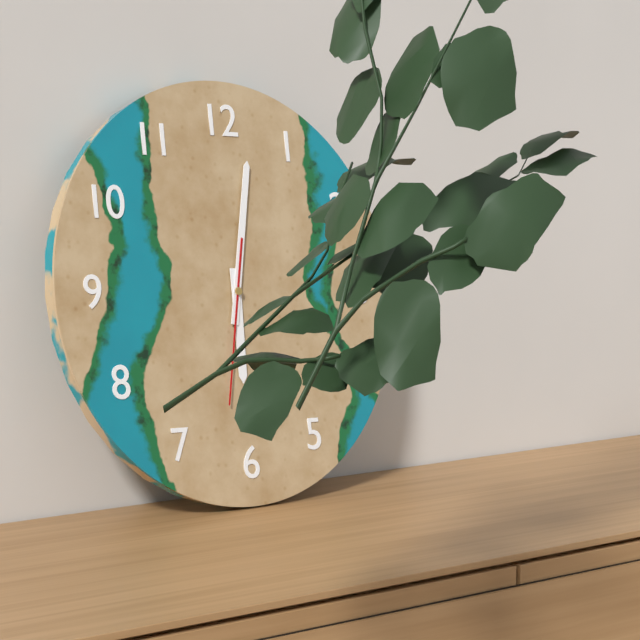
6:02:32
